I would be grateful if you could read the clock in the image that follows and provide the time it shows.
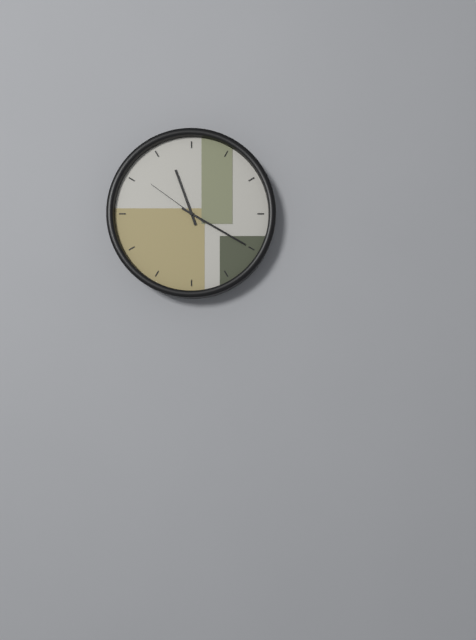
11:20:51
